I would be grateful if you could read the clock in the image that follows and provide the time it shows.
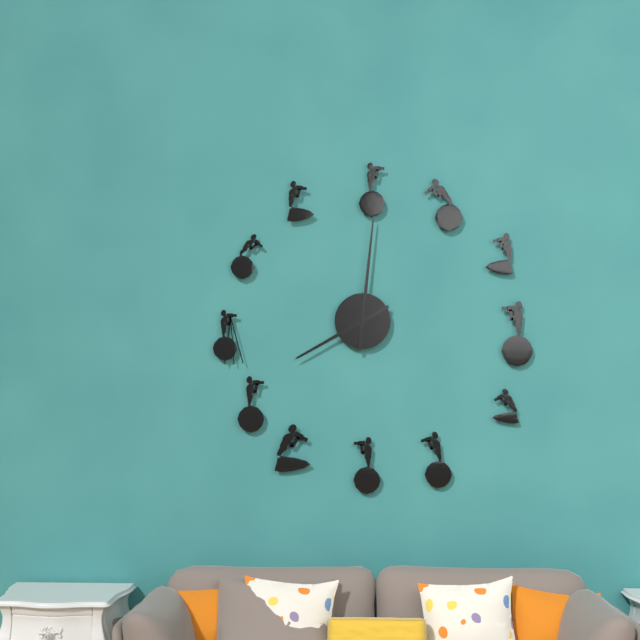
8:01
